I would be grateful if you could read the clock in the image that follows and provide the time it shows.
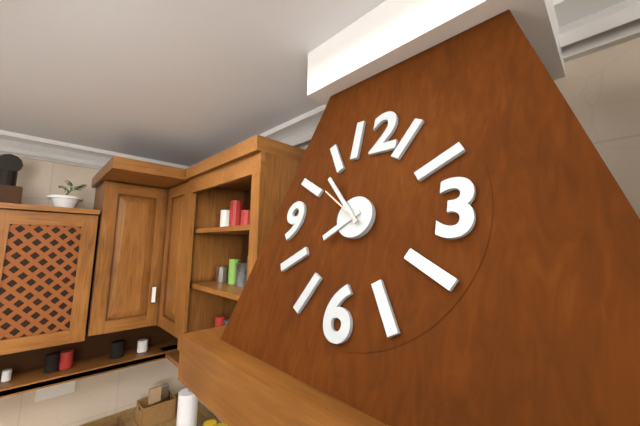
7:53
